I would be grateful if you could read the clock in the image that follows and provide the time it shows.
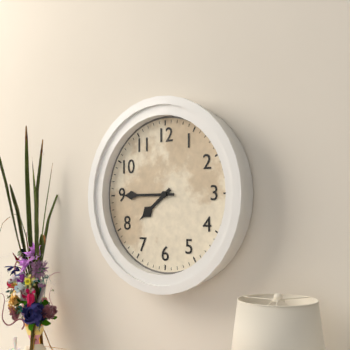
7:45
